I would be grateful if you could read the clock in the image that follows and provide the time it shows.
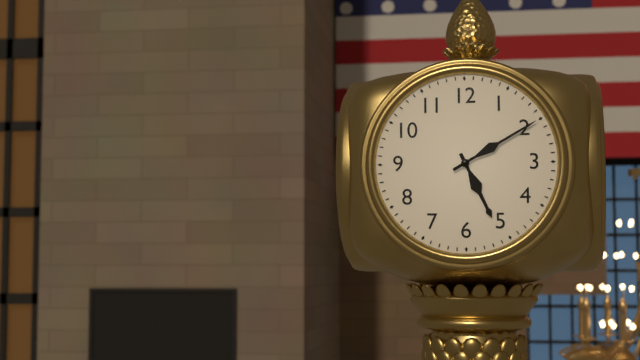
5:10
